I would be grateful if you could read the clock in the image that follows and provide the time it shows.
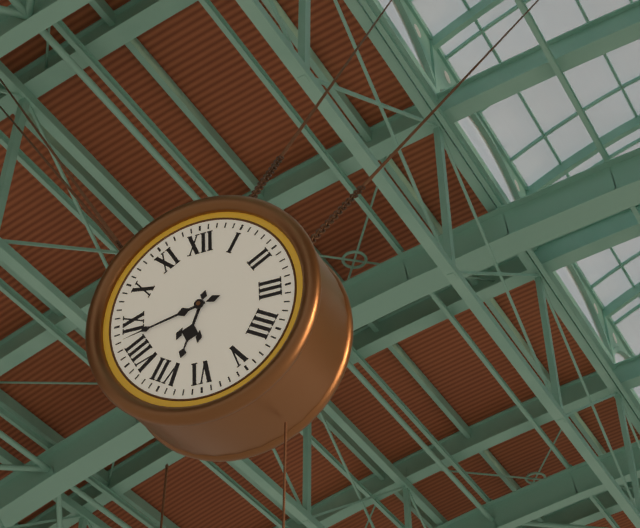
6:43
